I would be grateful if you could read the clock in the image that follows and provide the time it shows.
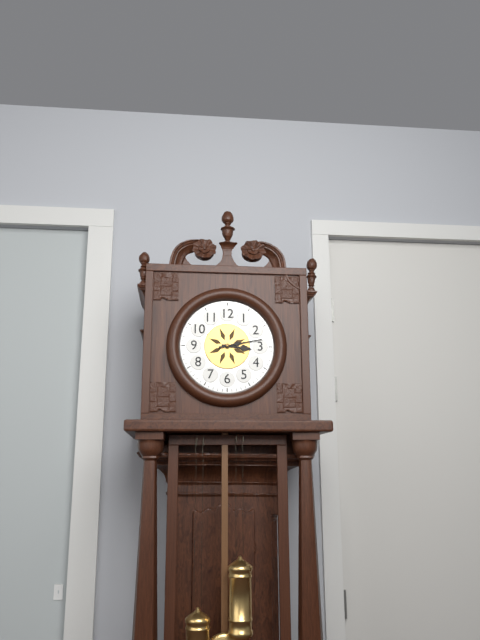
3:13
